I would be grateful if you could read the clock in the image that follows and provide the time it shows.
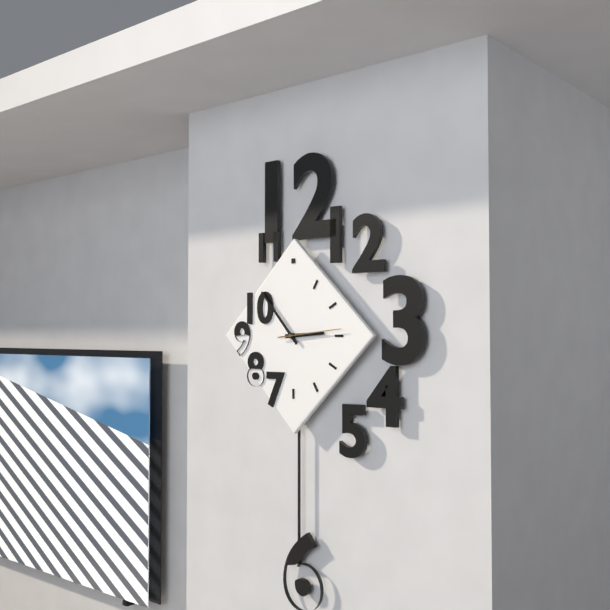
2:53
